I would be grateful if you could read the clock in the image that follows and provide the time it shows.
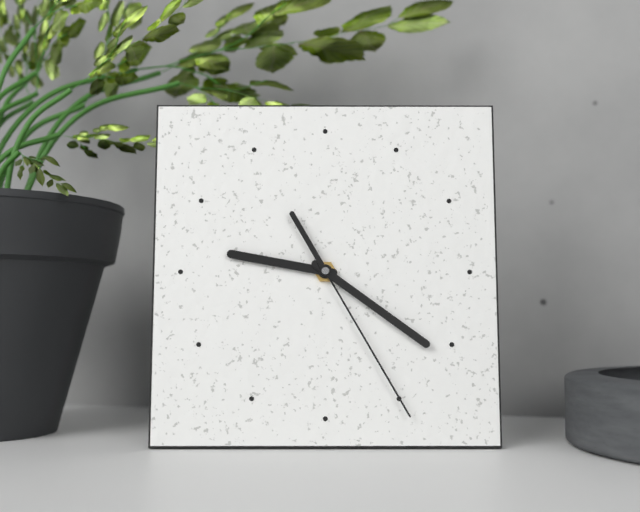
9:21:25
